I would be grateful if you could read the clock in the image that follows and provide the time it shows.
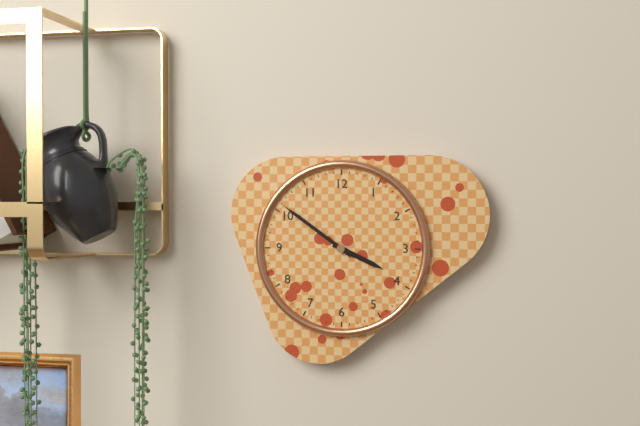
3:51
